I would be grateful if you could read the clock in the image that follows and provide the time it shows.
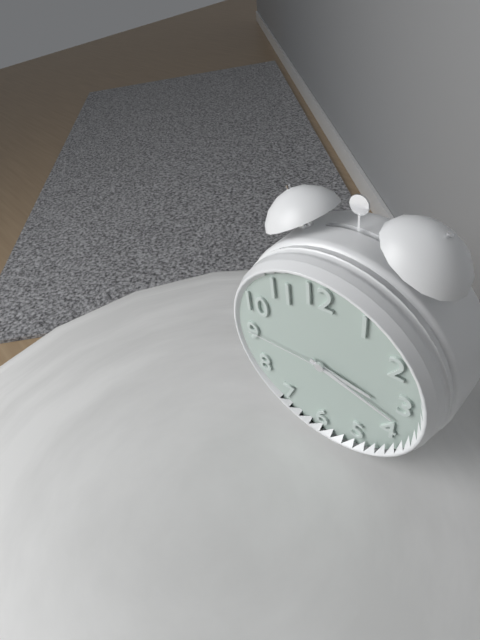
3:18:45
